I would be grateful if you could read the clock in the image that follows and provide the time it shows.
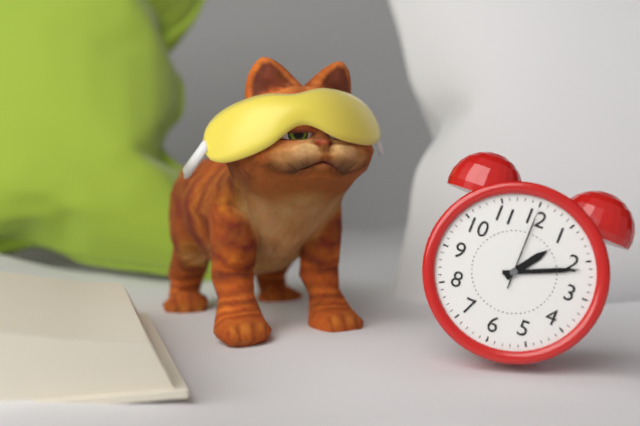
1:11:00
